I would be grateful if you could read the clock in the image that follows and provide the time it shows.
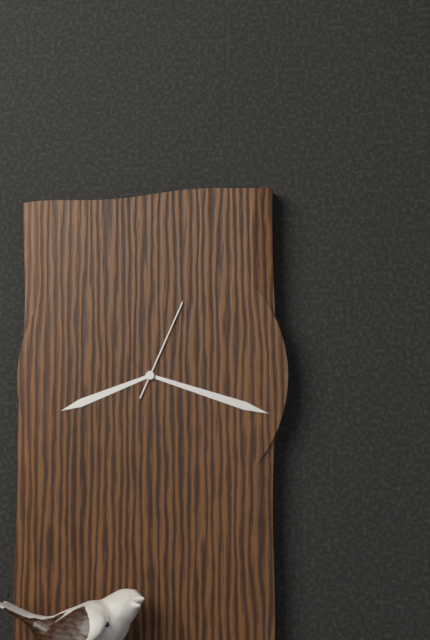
8:18:04
